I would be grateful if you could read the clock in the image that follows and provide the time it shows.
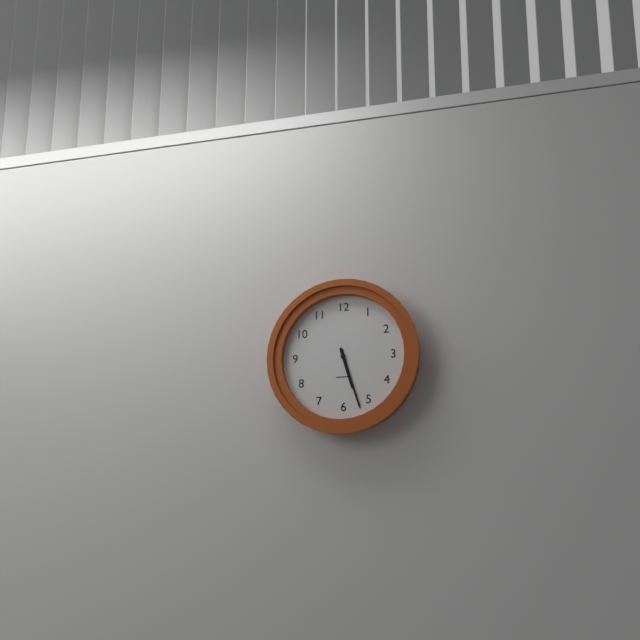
5:27
